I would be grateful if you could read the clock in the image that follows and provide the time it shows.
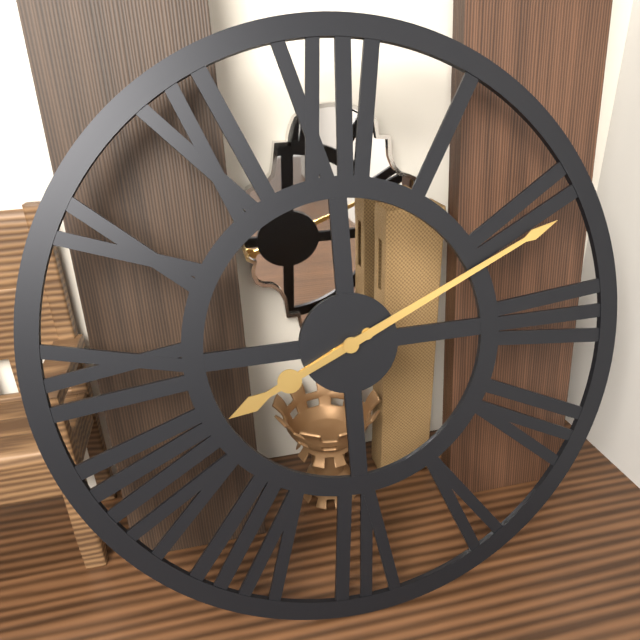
8:11
